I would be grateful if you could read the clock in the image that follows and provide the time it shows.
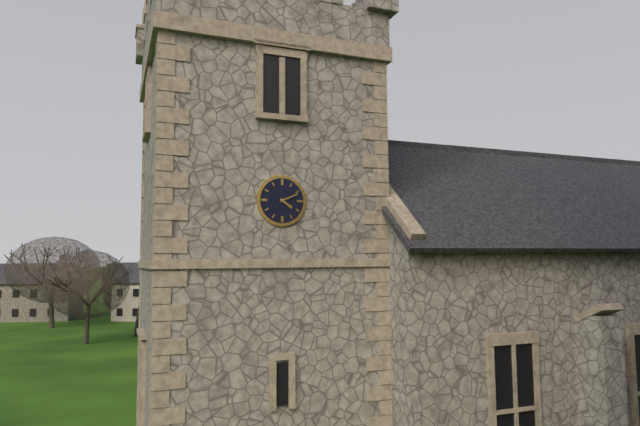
4:11
